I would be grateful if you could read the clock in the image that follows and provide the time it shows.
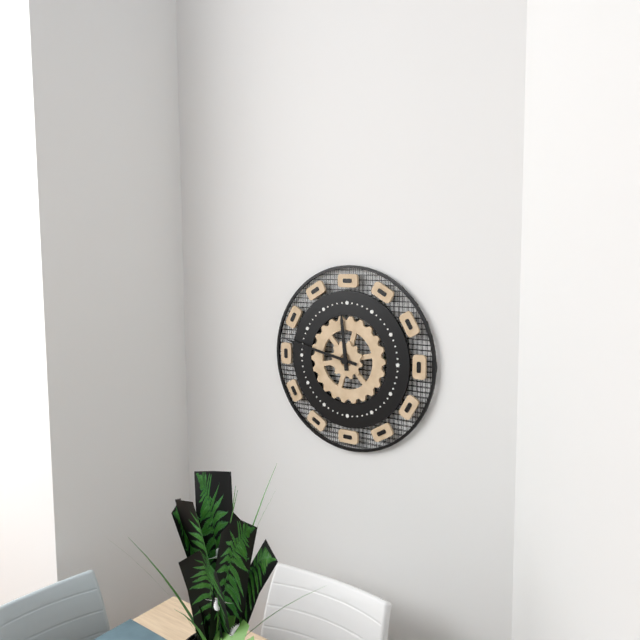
11:47
